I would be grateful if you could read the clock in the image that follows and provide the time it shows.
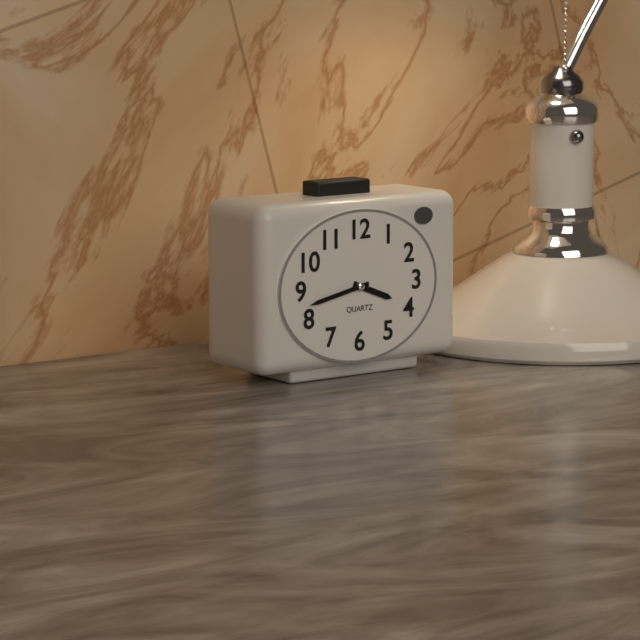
3:43
